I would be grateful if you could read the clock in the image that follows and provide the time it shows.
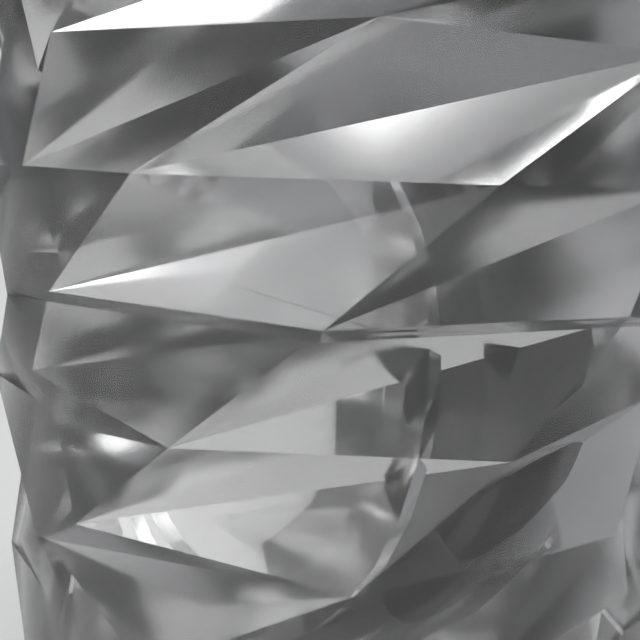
10:16:16
